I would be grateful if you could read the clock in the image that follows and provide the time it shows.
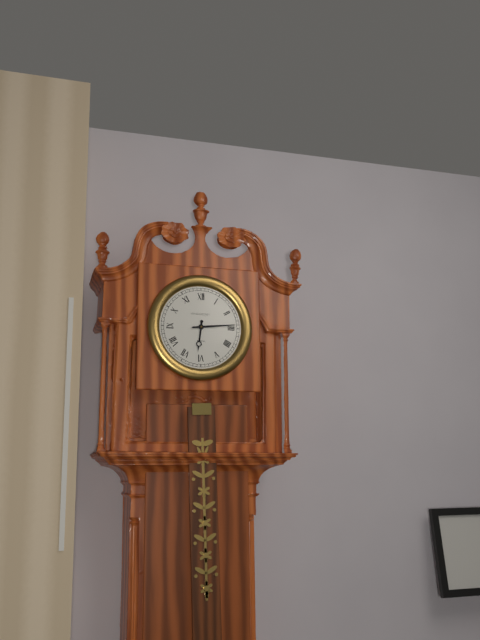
6:14
